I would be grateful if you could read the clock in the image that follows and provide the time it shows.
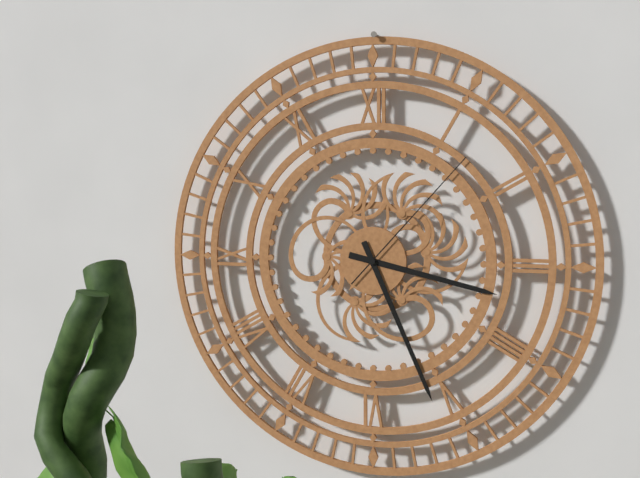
3:26:07
